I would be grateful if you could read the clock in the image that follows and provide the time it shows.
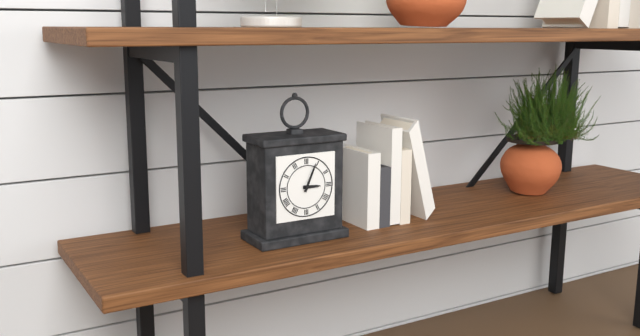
3:04
